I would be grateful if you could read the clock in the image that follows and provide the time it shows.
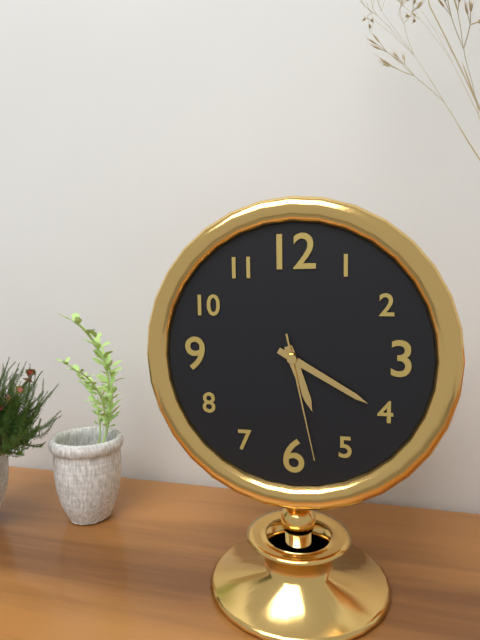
5:20:28
